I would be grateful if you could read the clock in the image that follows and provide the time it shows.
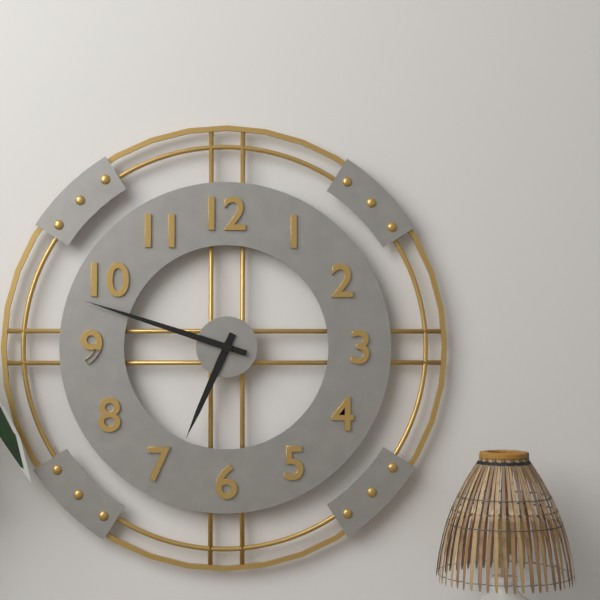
6:48
